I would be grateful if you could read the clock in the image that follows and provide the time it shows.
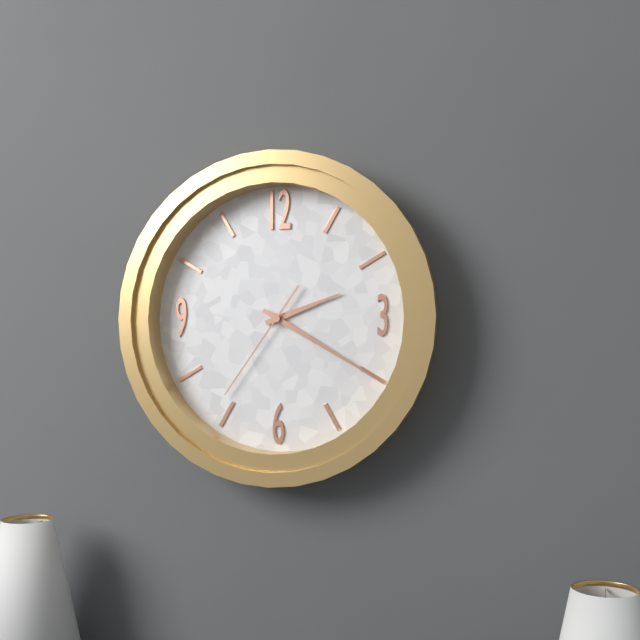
2:20:36
